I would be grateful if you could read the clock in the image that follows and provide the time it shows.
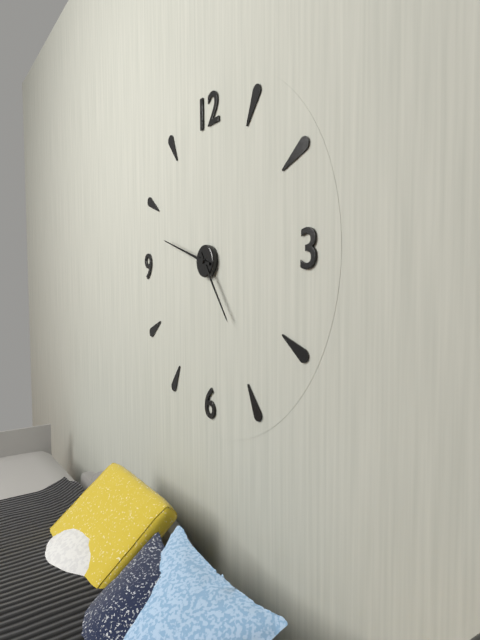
4:48
